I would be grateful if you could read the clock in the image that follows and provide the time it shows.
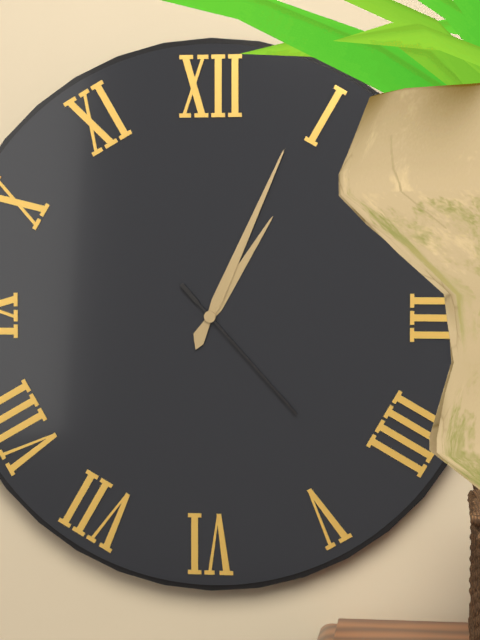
1:04:23
